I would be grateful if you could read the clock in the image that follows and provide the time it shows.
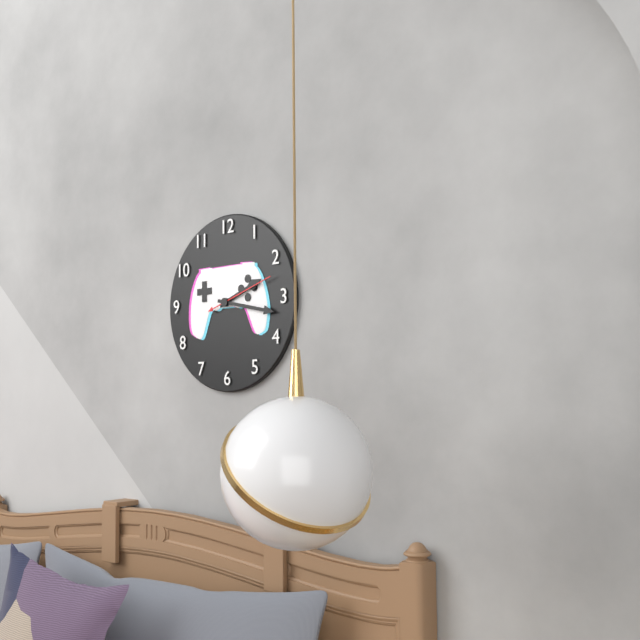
2:17:12
